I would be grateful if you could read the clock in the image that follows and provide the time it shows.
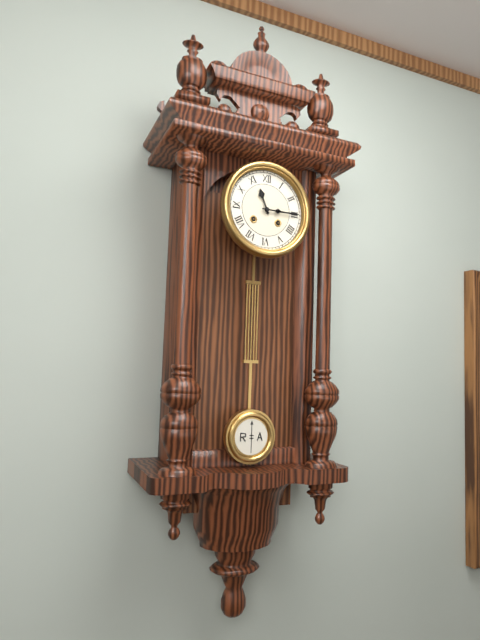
11:15
